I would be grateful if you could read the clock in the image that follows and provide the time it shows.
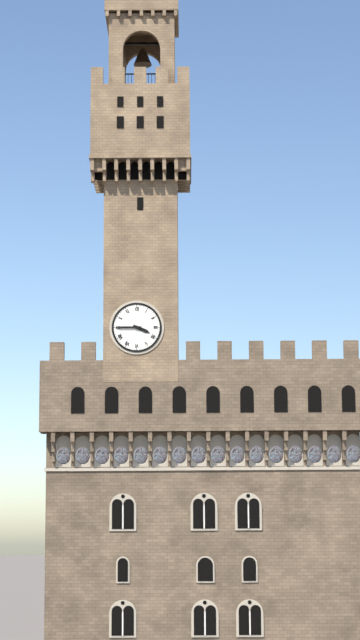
3:45
